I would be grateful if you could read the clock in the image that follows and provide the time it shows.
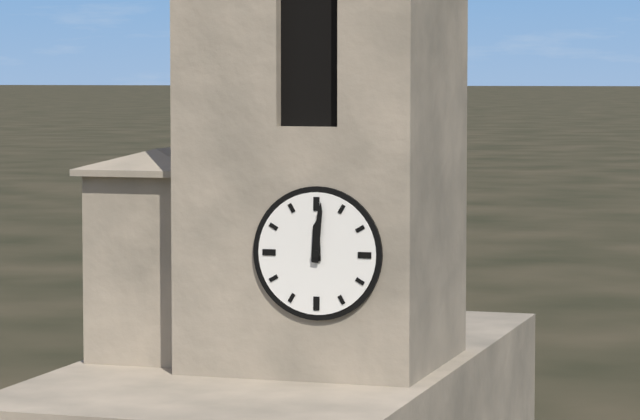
12:01
